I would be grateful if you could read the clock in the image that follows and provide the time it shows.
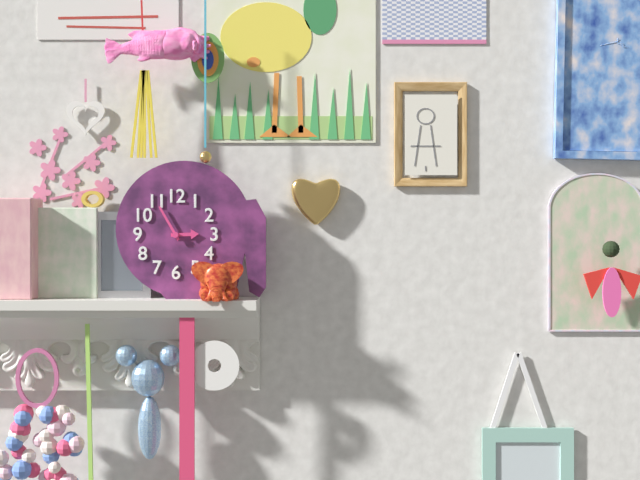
2:55
